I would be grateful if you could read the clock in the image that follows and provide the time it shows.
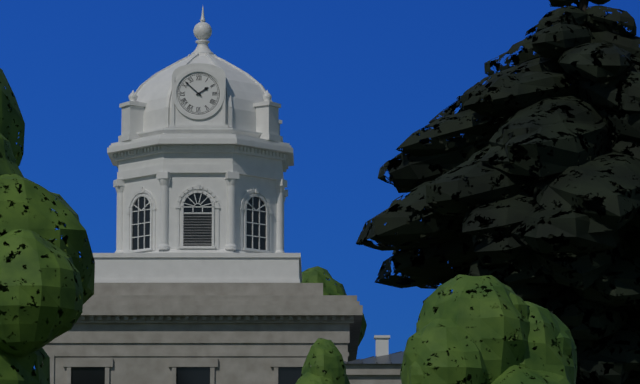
1:52
